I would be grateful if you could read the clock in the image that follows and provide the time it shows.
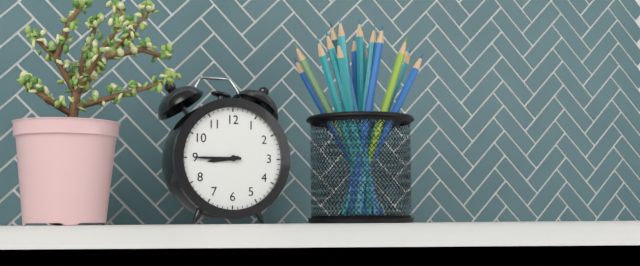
8:45
